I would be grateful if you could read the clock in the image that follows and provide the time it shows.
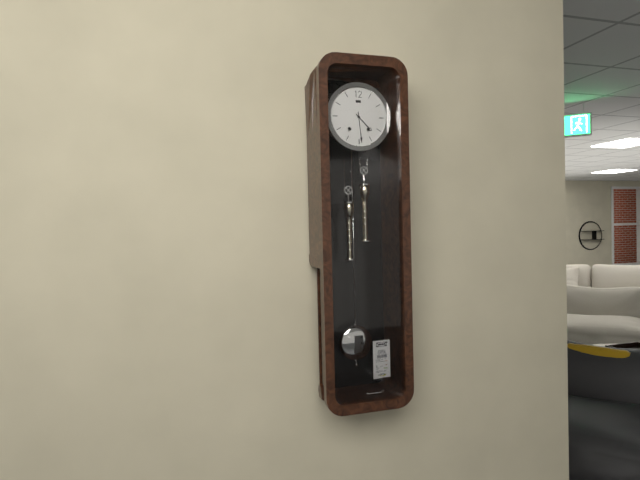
4:29
